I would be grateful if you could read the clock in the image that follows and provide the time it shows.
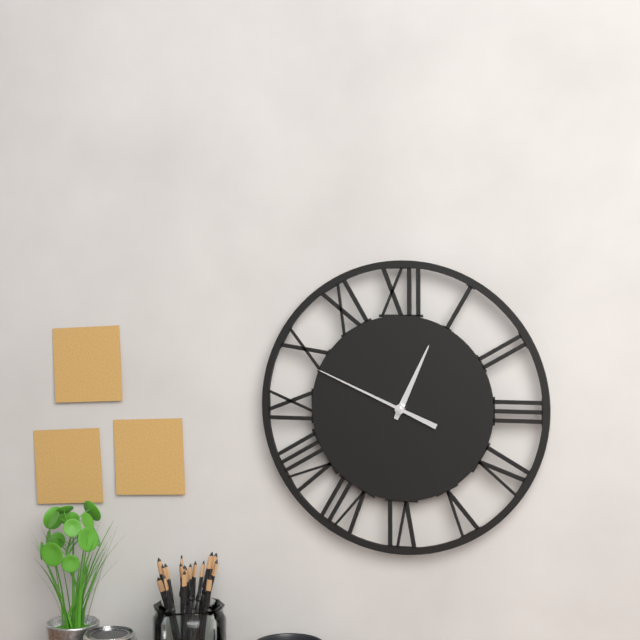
12:49
